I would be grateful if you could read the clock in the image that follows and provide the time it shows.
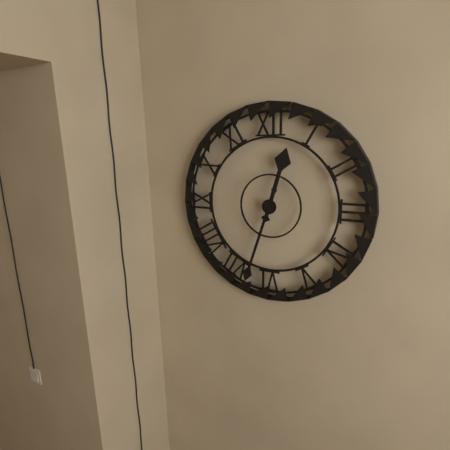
12:33
